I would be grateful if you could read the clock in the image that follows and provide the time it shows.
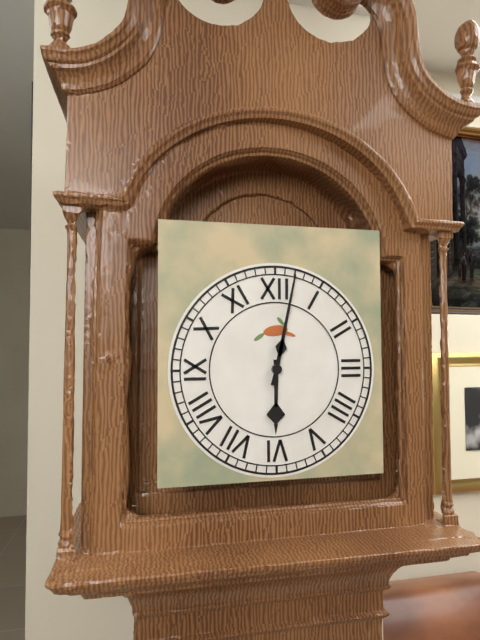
6:02
